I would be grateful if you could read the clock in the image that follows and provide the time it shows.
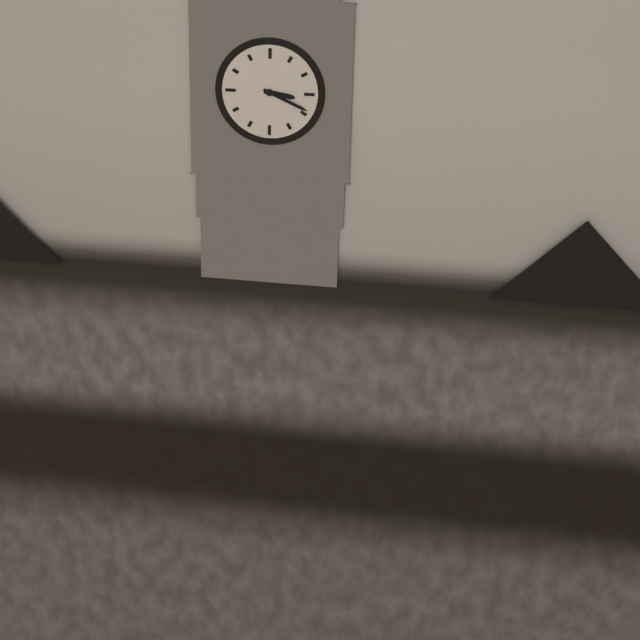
3:19
